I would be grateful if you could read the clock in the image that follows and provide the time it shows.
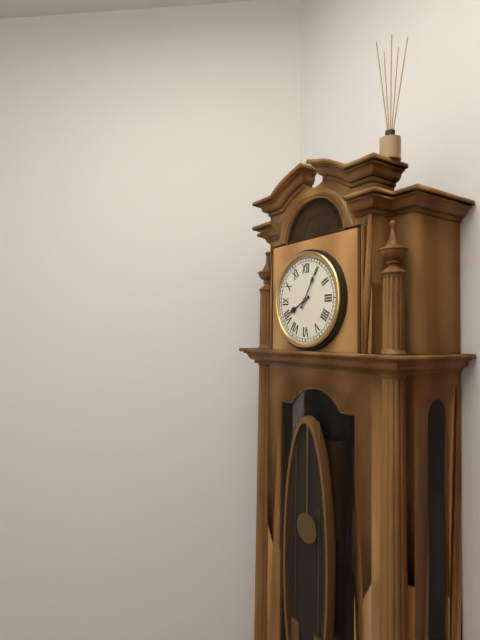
8:05
